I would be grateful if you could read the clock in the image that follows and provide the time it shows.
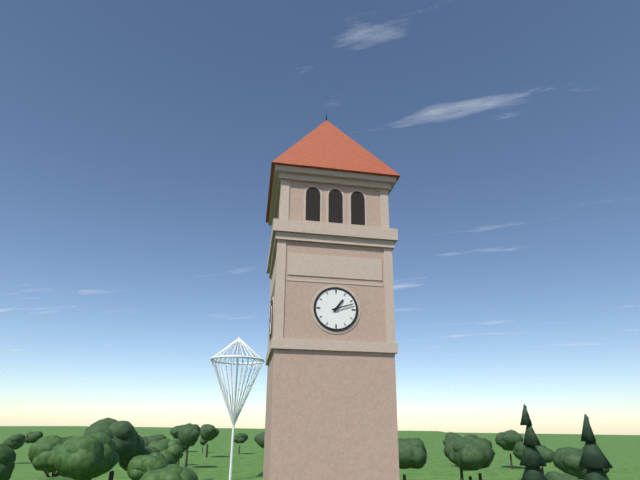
1:12
